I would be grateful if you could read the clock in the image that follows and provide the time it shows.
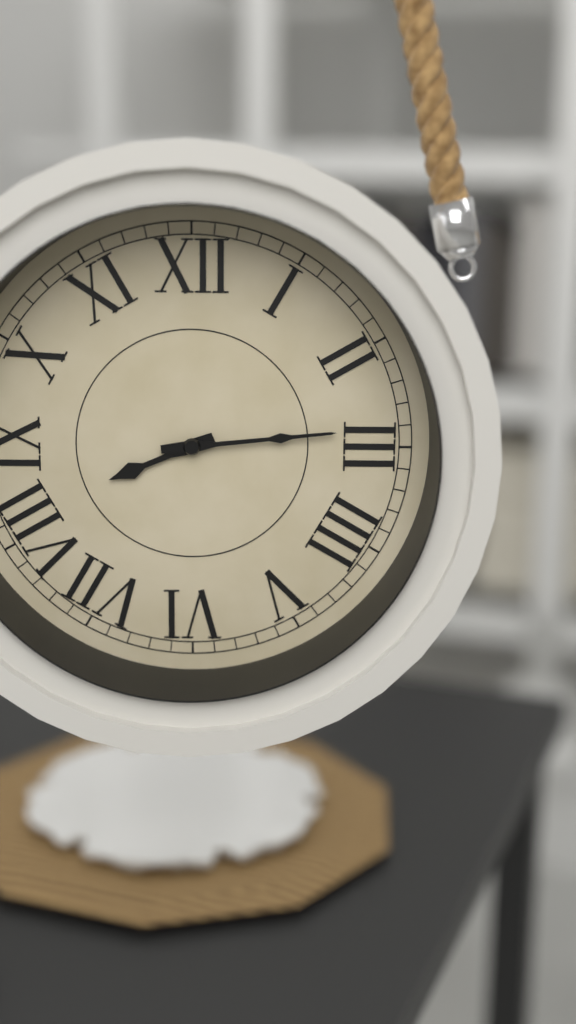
8:14
